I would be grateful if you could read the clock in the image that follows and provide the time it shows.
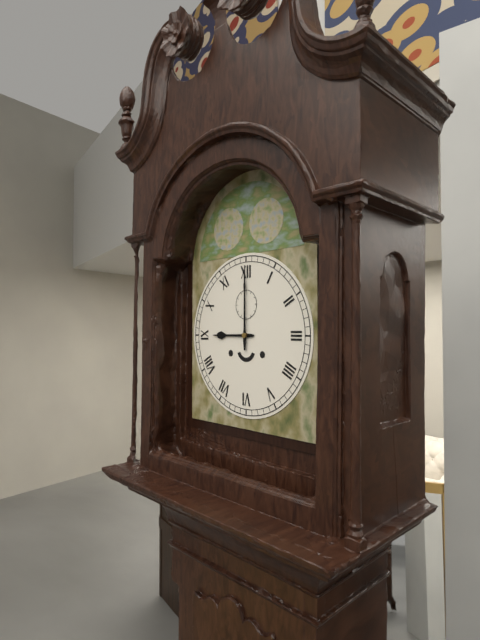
9:00
